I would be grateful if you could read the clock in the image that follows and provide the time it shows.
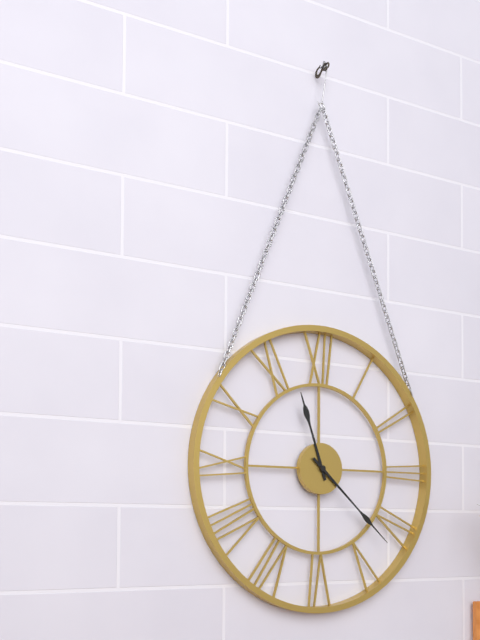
11:22
